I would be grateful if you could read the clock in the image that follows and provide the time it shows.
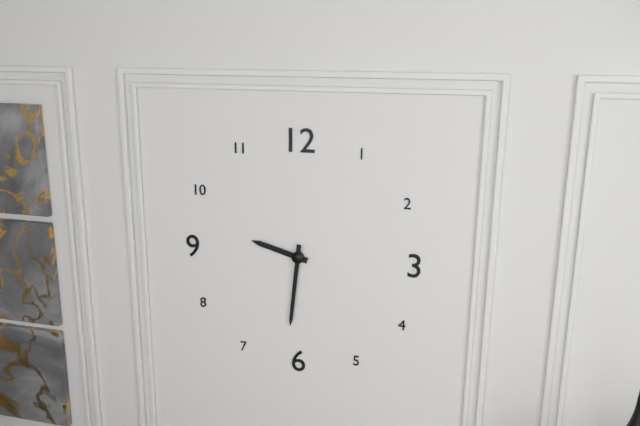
9:31
